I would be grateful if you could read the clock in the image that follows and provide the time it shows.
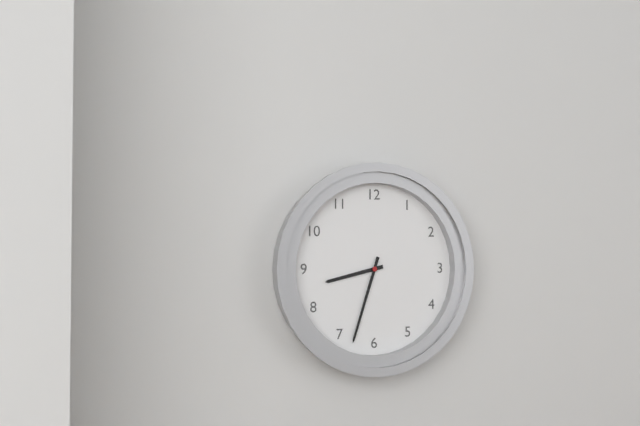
8:33
